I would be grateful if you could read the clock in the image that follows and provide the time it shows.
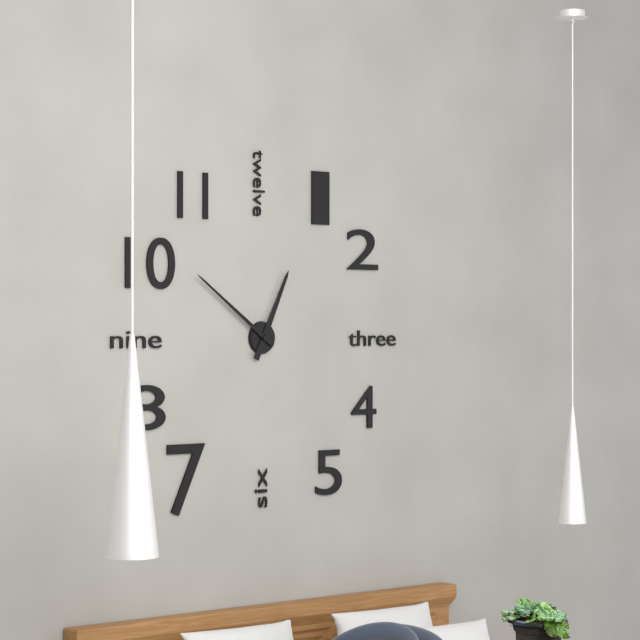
12:51
